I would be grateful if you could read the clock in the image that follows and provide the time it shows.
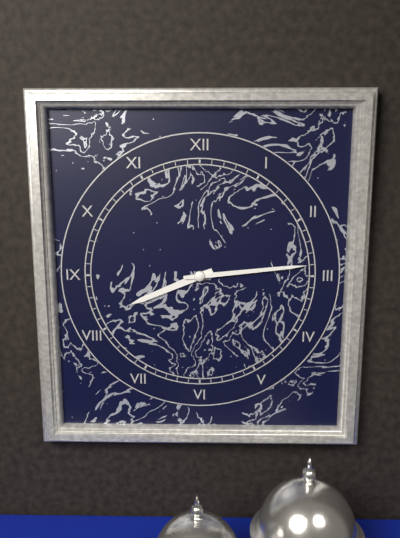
8:14
